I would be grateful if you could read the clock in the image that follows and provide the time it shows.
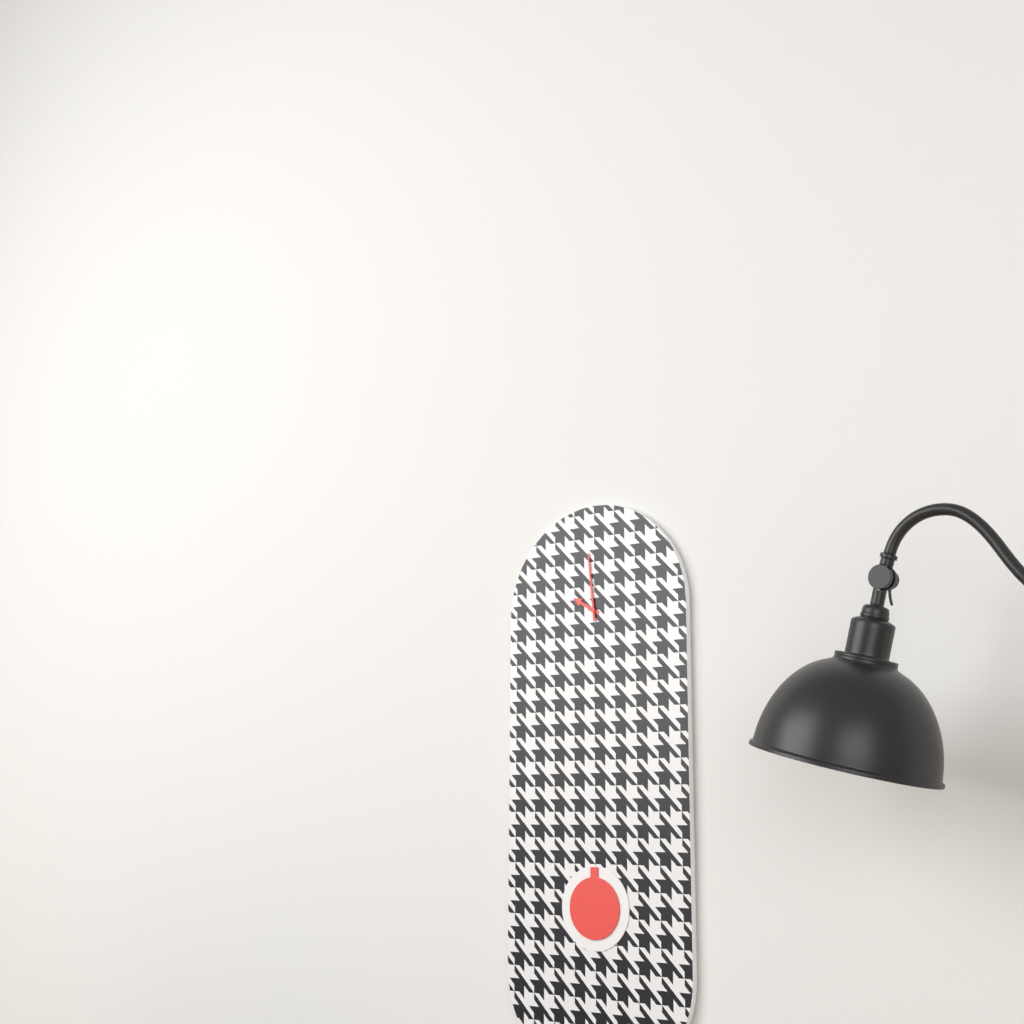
9:59
